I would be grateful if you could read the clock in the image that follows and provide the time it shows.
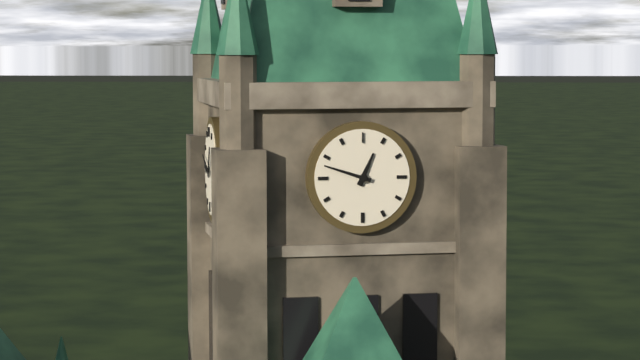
12:48
